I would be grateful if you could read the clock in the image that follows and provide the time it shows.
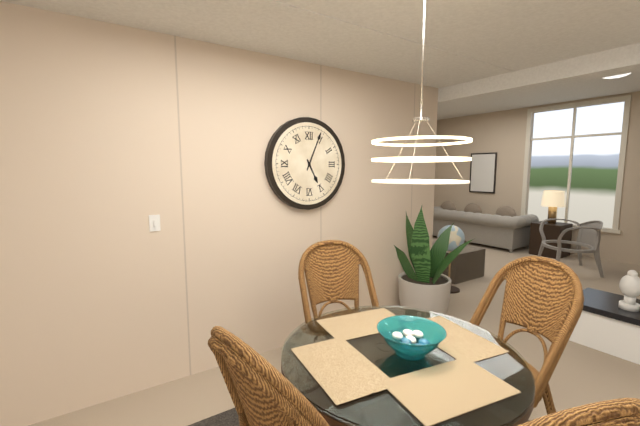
5:04
